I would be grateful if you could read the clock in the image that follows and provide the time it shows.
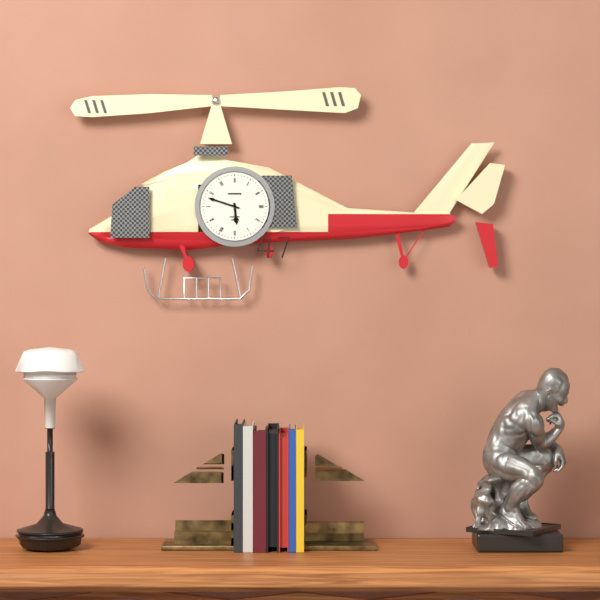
5:48
